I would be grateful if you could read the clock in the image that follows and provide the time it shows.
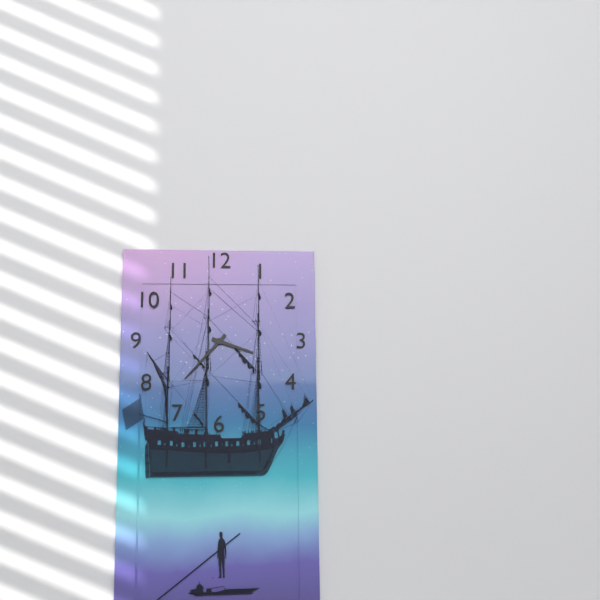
3:37
